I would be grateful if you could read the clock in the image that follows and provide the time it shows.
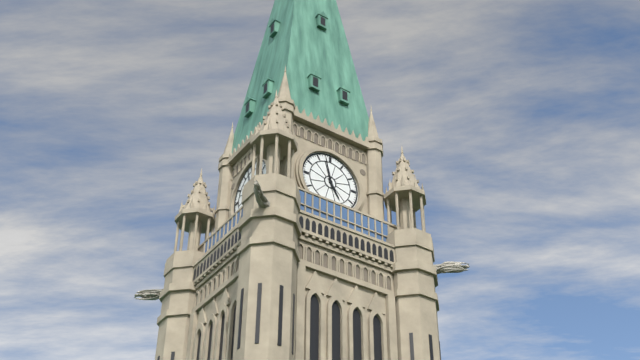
4:58
